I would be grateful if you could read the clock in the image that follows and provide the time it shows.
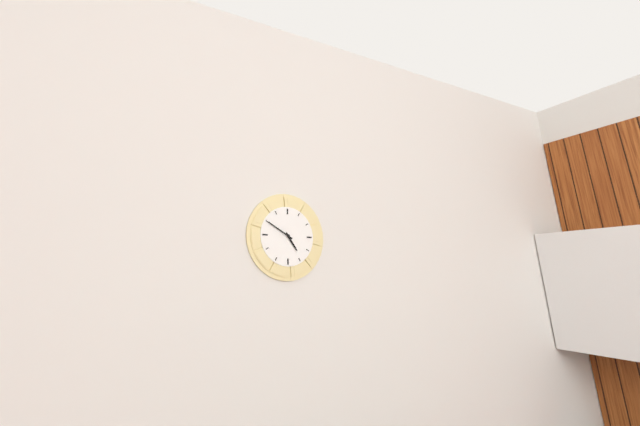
4:50
